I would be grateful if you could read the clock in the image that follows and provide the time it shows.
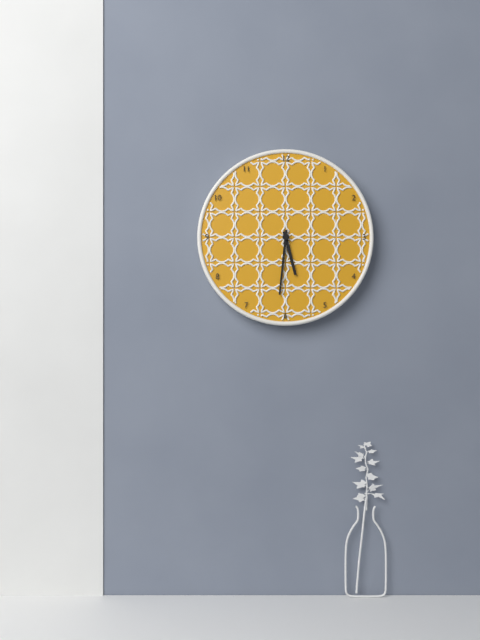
5:31
